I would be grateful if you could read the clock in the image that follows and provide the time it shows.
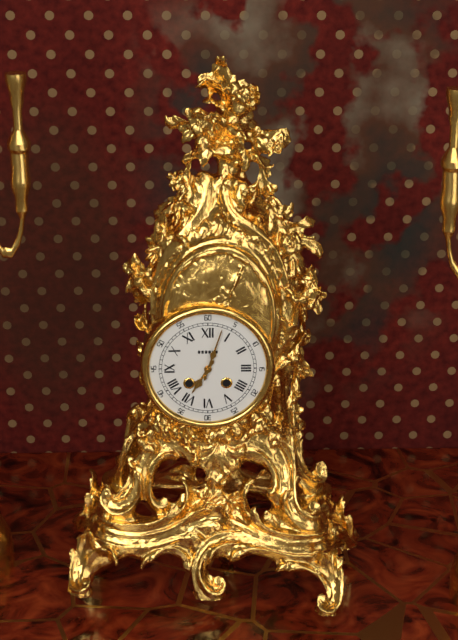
7:03
